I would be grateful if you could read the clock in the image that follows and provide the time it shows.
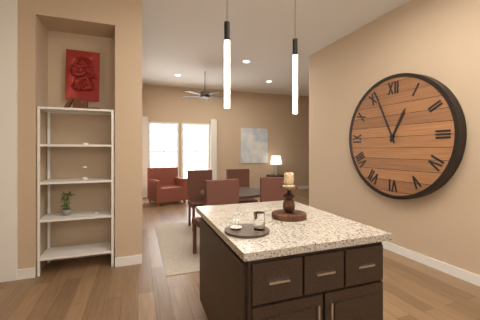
12:56
